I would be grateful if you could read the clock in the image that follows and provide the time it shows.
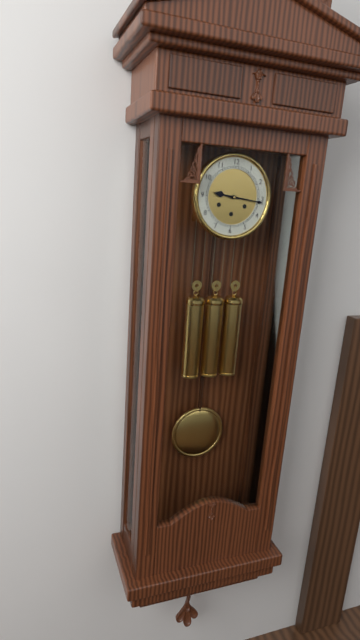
9:16
